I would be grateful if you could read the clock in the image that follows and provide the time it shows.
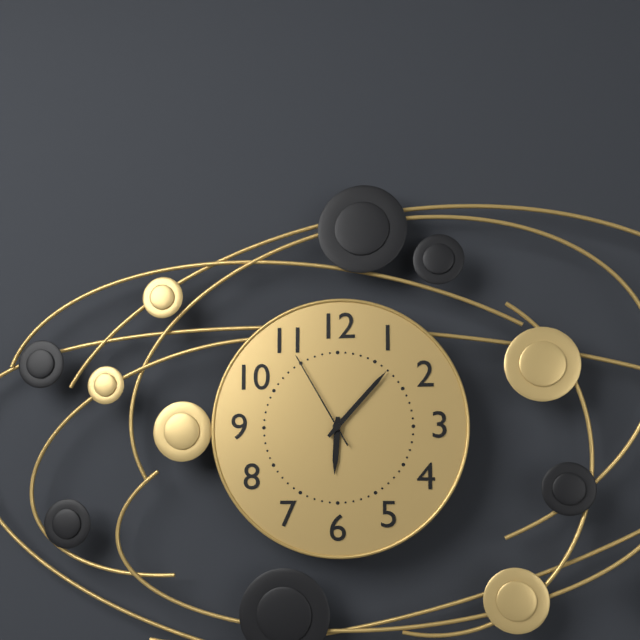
6:07:55
